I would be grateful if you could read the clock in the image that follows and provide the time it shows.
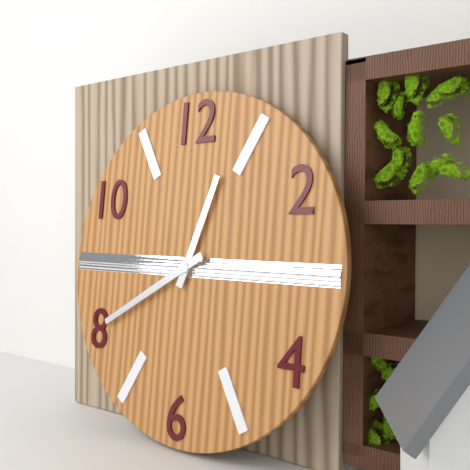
12:40
